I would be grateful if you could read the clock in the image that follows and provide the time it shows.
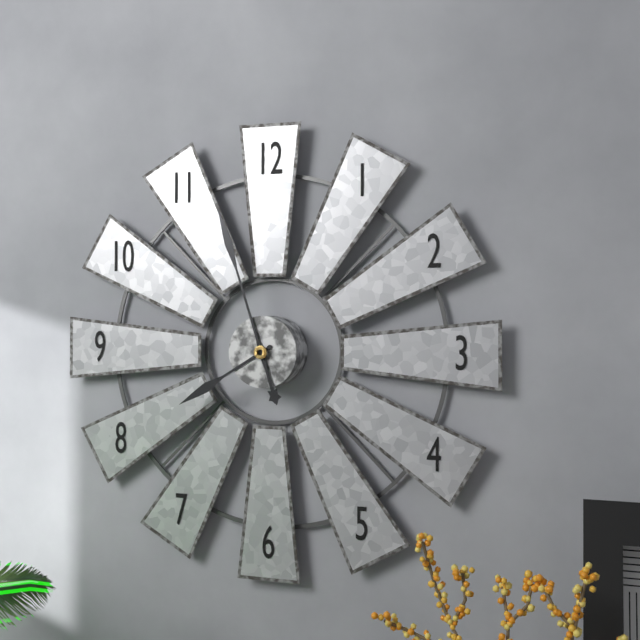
7:57
